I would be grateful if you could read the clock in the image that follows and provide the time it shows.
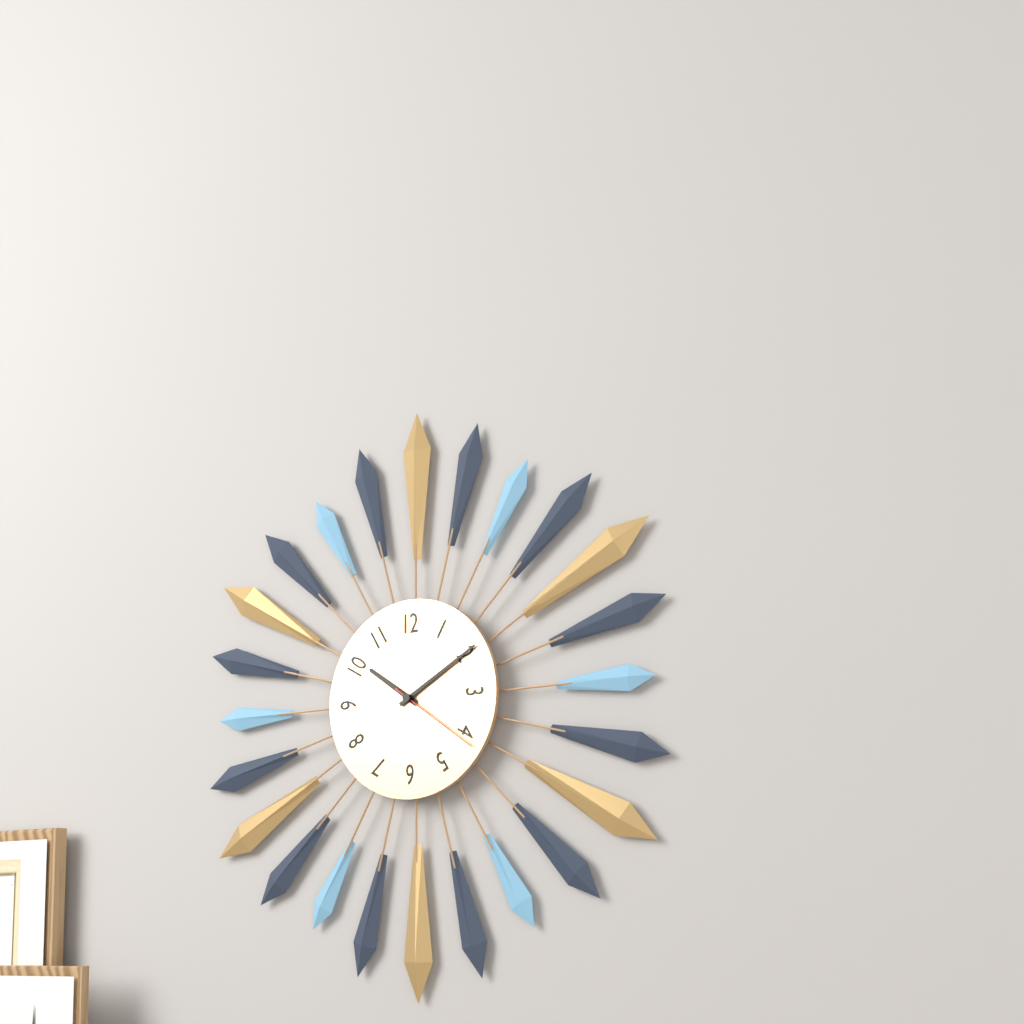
10:10:21
